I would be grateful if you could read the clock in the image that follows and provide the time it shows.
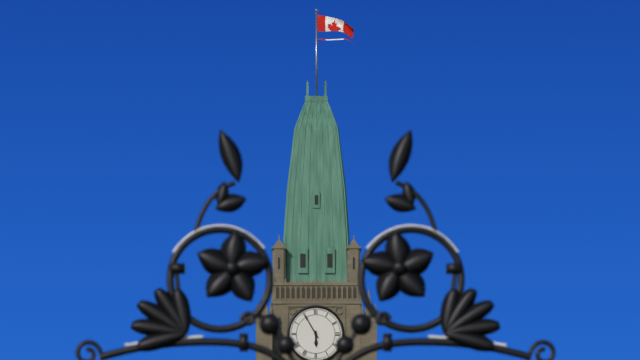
5:55
